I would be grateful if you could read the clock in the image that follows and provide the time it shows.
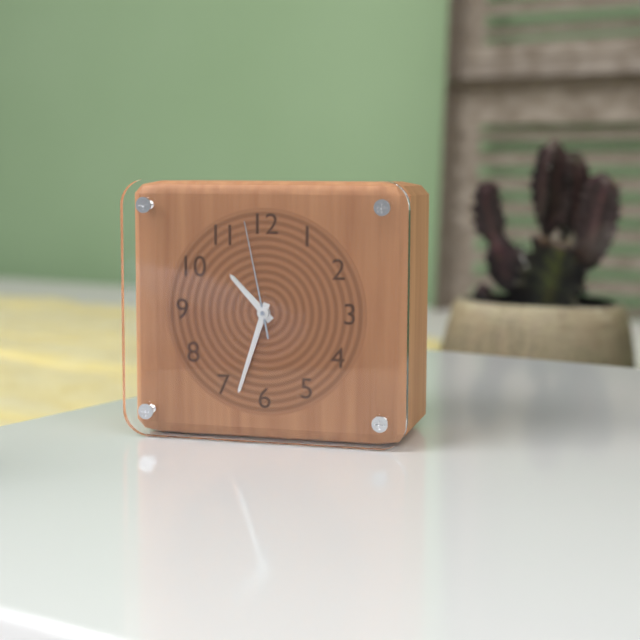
10:33:58
